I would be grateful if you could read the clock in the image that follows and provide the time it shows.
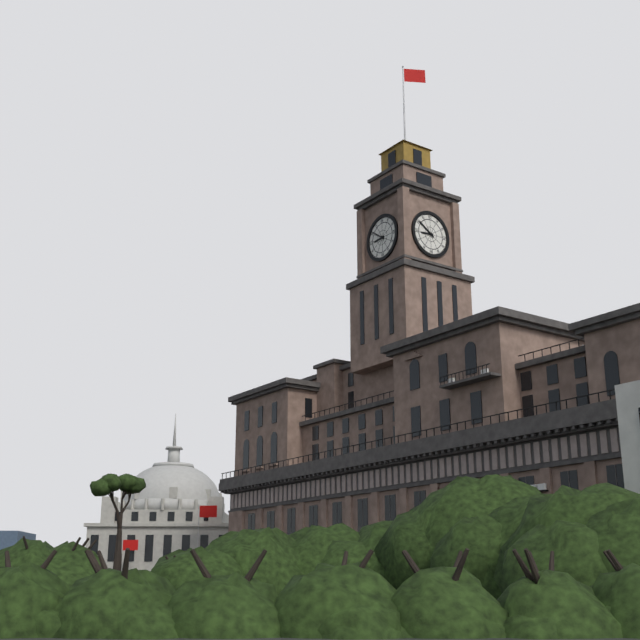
8:51
